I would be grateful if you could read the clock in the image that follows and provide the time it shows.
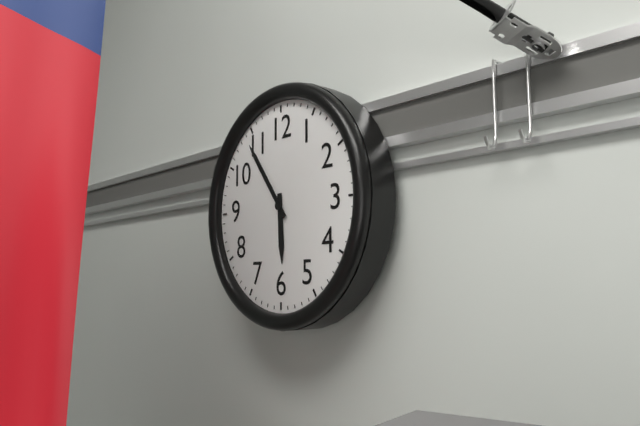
5:54
